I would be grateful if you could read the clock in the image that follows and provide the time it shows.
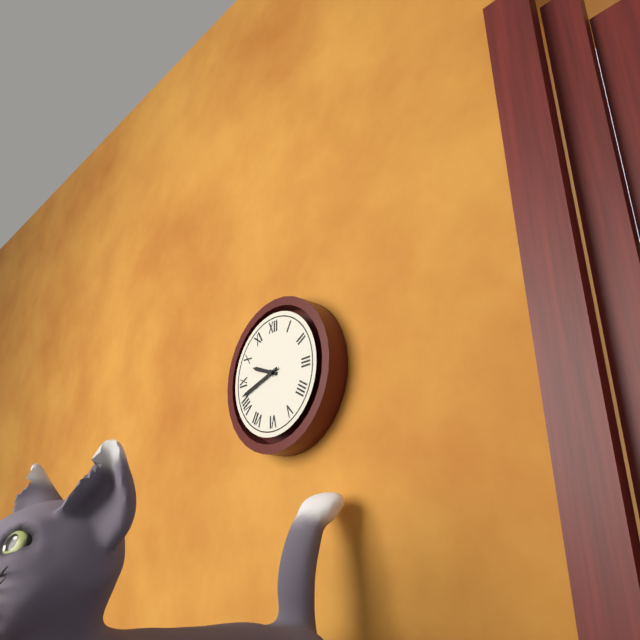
9:42
